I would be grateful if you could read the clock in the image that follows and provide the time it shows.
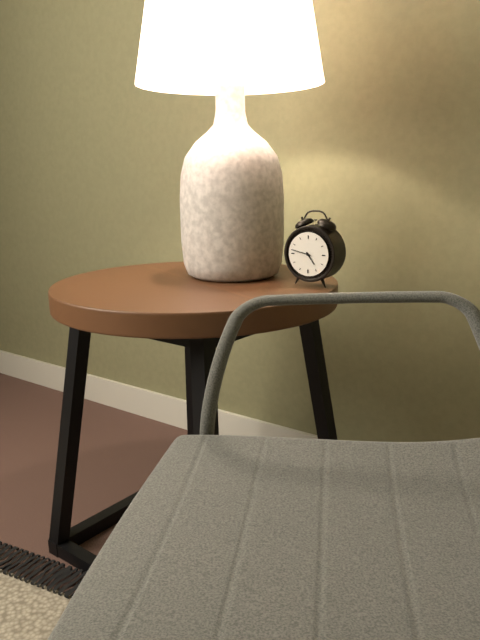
4:47
